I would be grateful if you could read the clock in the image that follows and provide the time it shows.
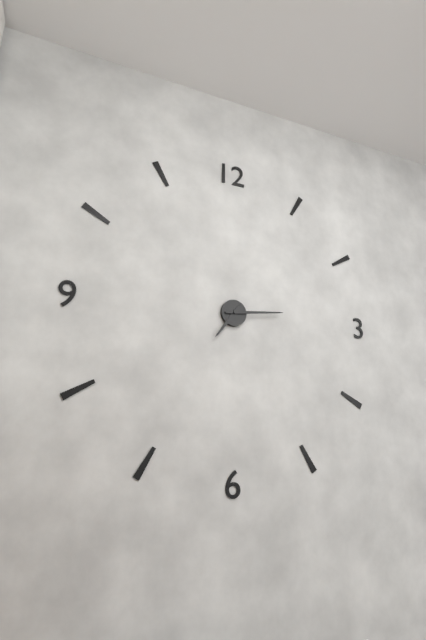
7:14
